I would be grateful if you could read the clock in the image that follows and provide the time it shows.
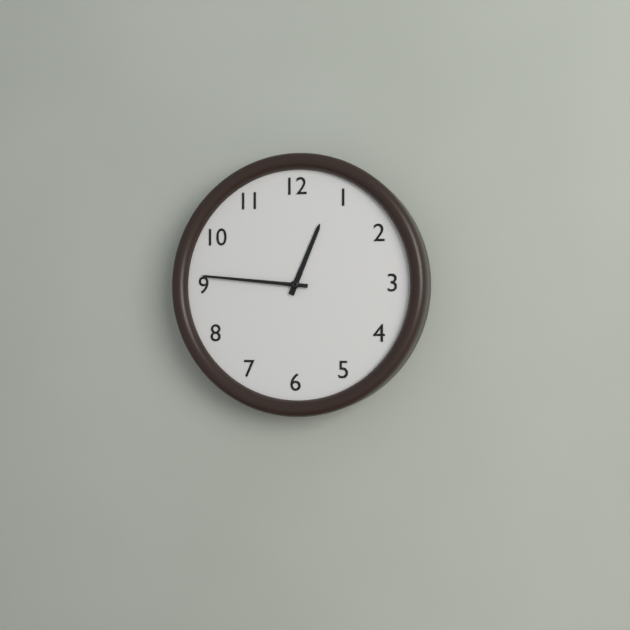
12:46
